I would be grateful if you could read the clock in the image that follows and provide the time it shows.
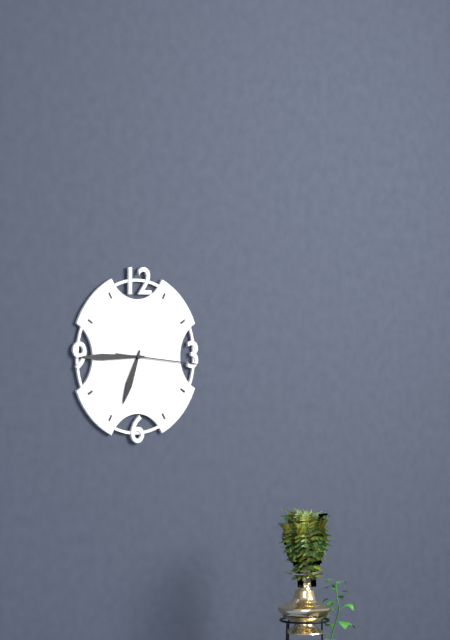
6:45:16
